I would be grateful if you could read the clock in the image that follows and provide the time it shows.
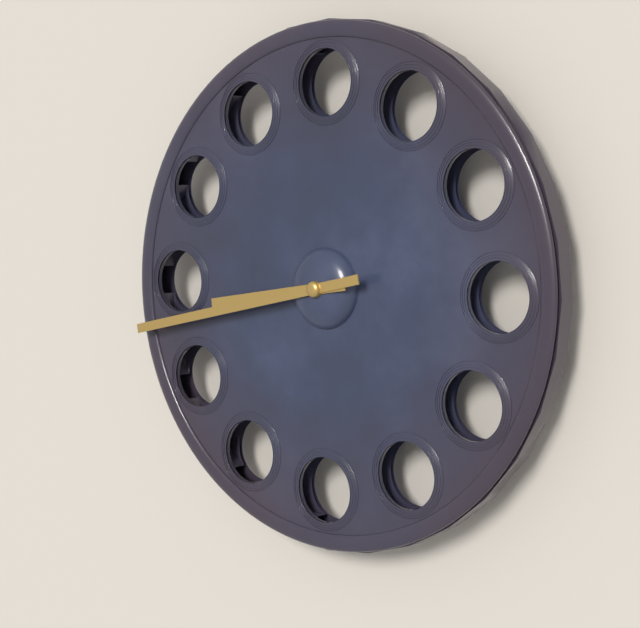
8:43
